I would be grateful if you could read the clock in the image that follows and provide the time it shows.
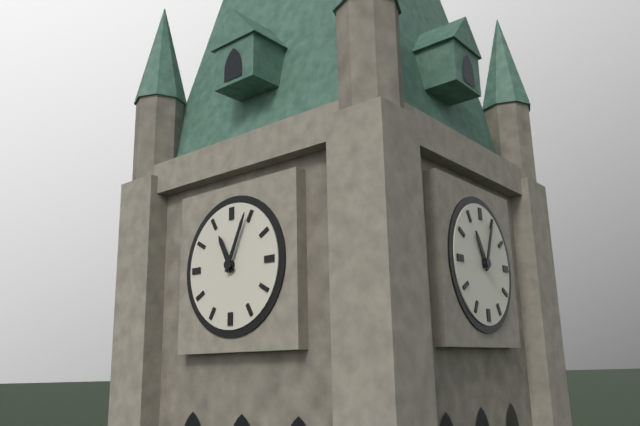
11:04
